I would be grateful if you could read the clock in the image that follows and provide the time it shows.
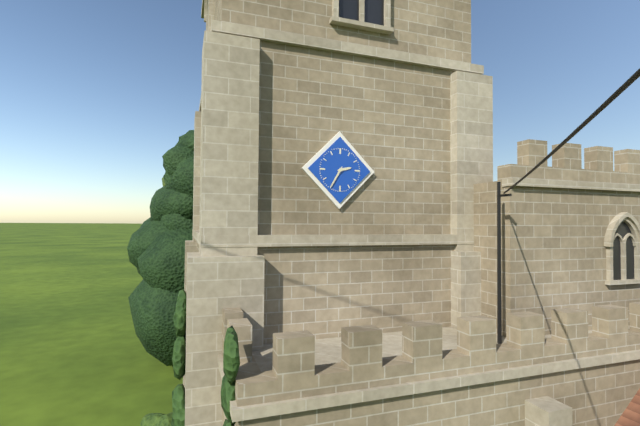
2:35
